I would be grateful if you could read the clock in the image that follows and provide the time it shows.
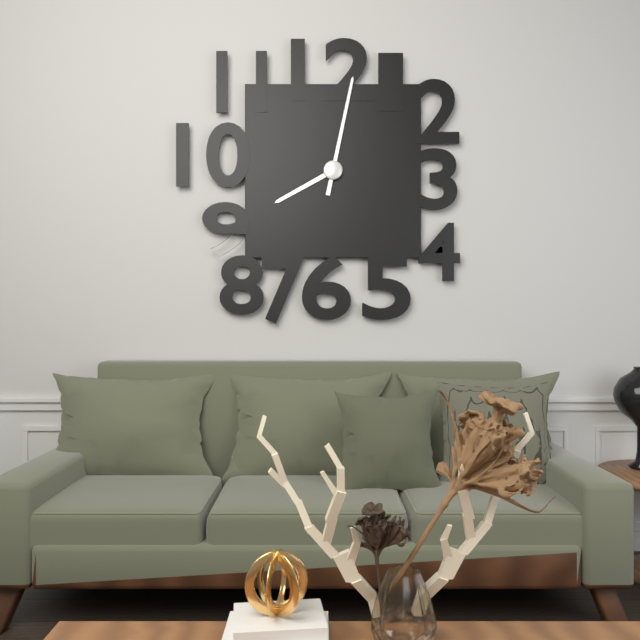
8:02
